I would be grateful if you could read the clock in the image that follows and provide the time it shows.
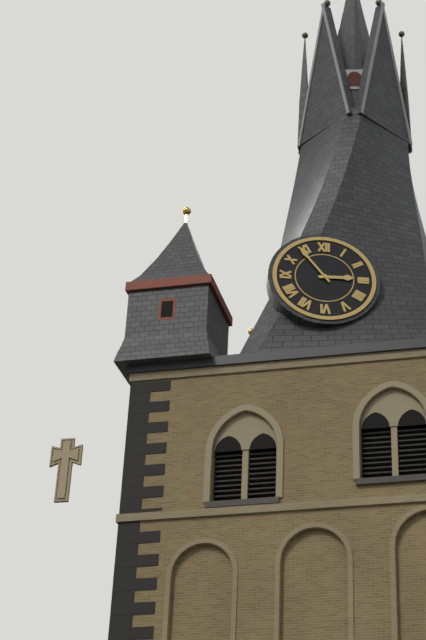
2:54
